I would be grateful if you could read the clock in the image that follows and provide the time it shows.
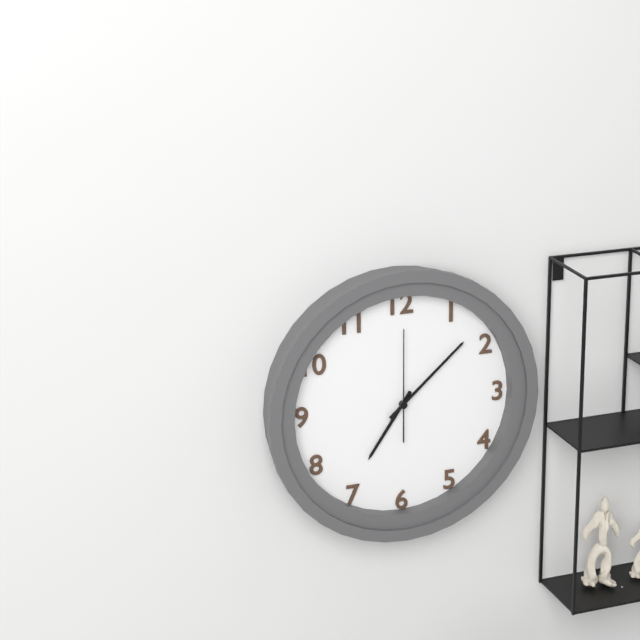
7:08:00
